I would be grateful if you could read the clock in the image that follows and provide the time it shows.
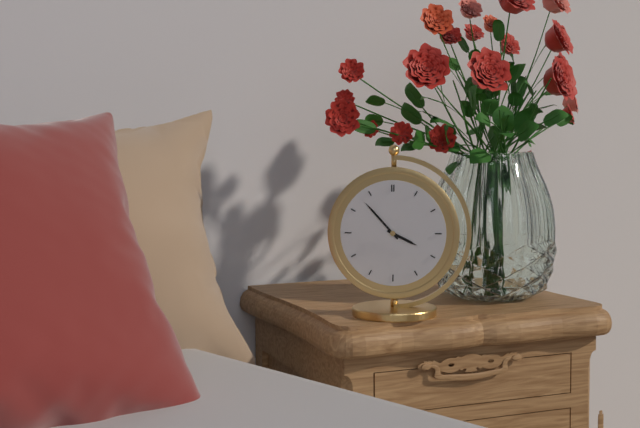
3:53
